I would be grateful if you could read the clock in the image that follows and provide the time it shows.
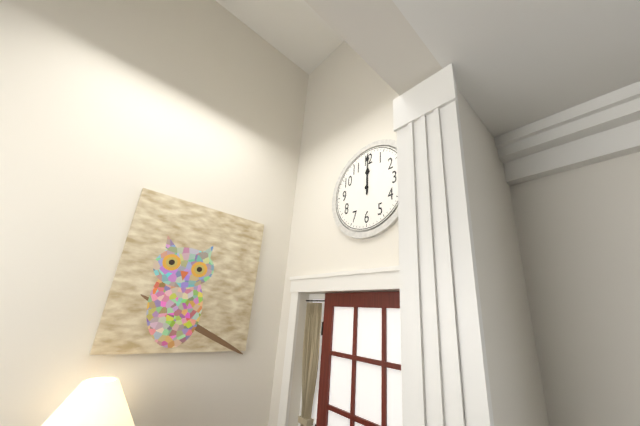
12:00
